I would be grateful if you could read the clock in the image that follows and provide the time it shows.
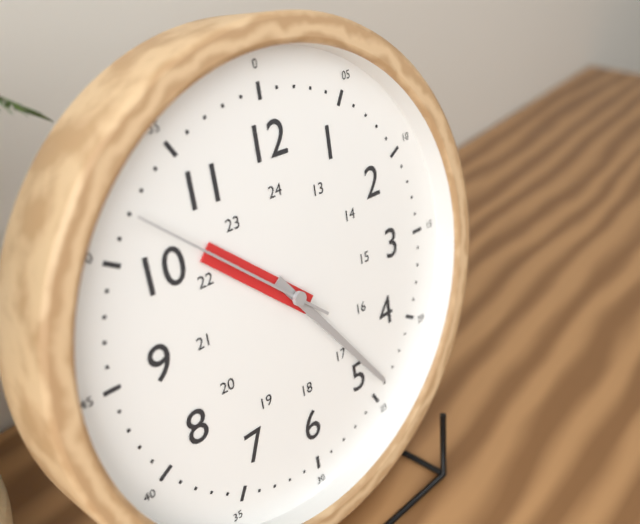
10:24:52
